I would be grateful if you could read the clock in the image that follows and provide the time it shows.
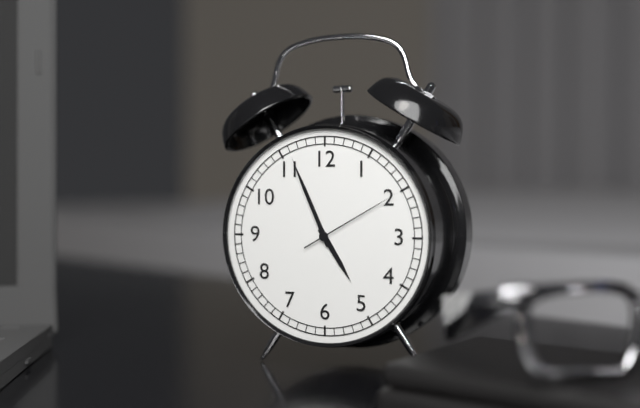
4:56:10
